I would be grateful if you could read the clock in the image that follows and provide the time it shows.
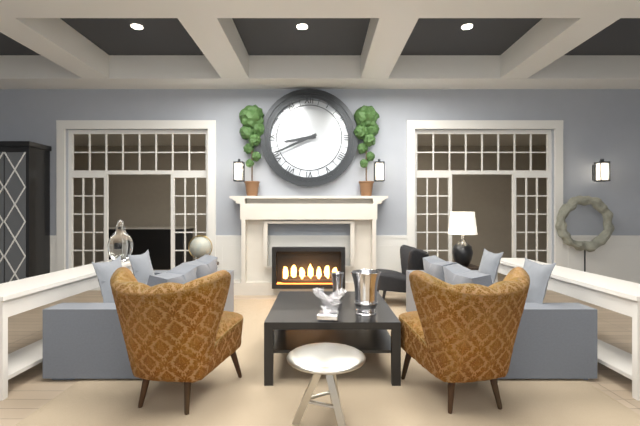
8:41
